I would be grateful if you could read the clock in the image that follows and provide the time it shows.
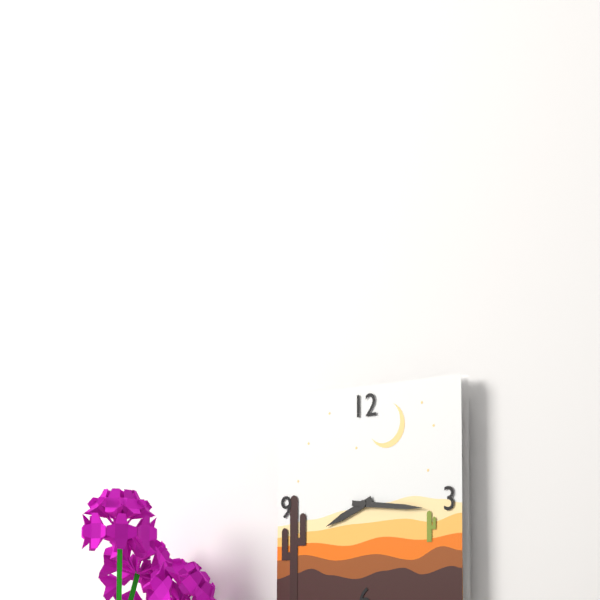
8:16
